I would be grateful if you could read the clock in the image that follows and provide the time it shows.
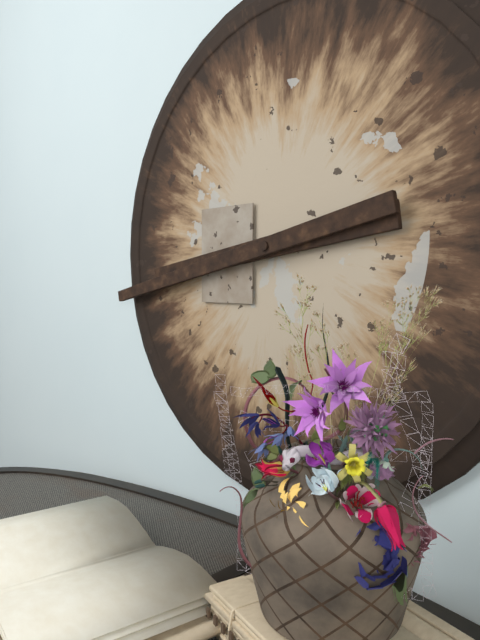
8:43
